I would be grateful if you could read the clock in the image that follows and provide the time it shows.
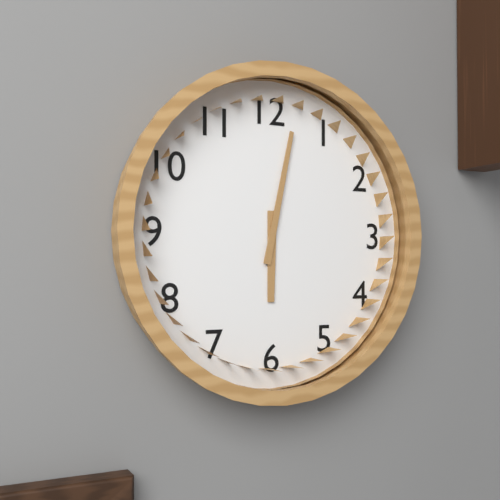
6:02
